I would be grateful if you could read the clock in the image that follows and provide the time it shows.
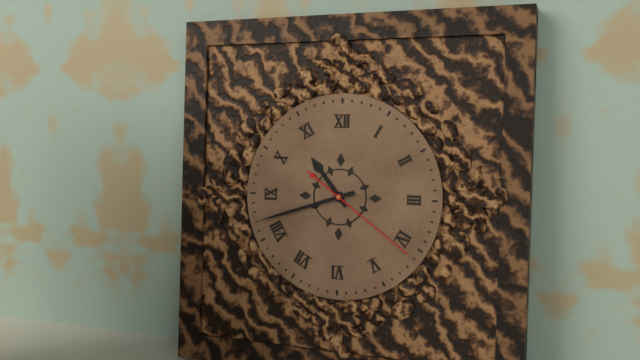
10:42:21
